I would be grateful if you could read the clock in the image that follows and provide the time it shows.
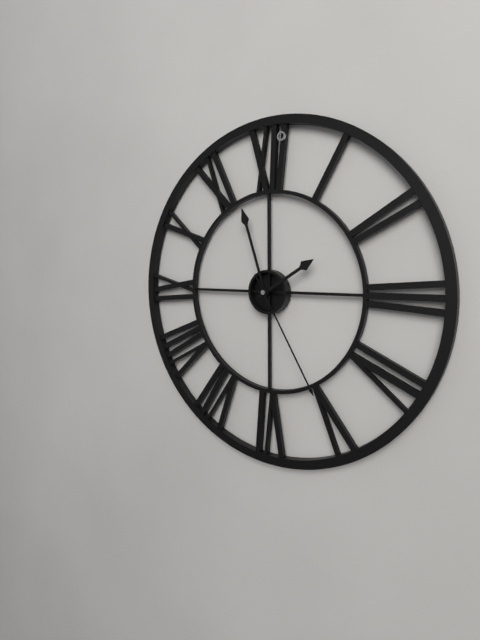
1:57:25
